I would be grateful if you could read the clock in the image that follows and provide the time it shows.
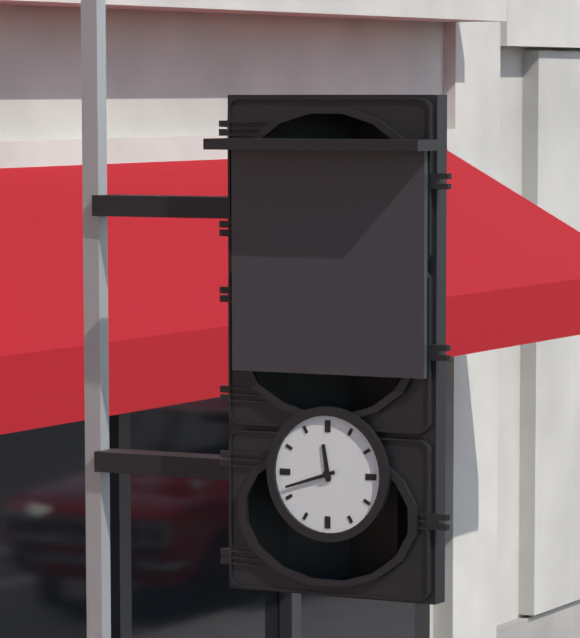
11:42
